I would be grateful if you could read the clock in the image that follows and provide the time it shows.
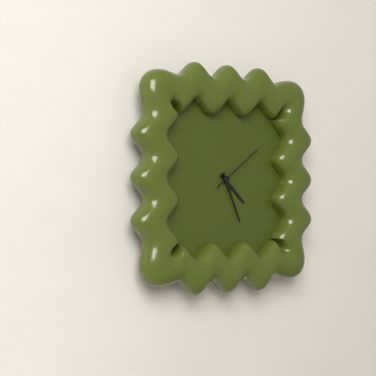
4:26:09
